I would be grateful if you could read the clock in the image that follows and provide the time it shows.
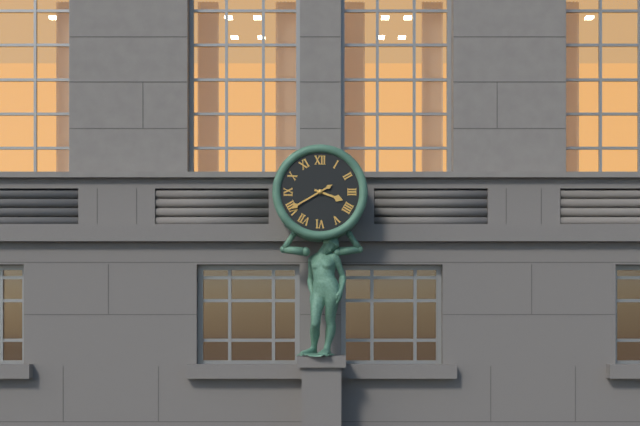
3:40
